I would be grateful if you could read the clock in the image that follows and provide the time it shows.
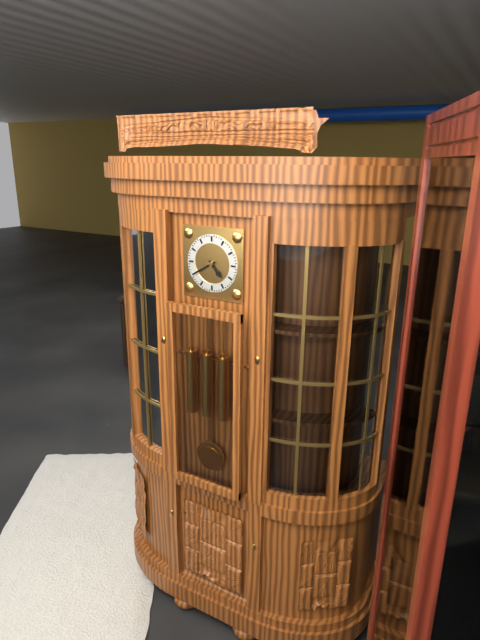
4:40
